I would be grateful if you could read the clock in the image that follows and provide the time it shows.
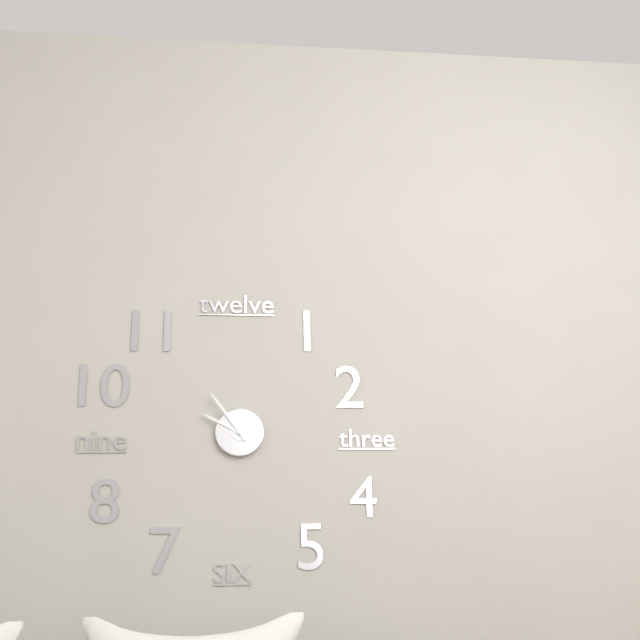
9:54
